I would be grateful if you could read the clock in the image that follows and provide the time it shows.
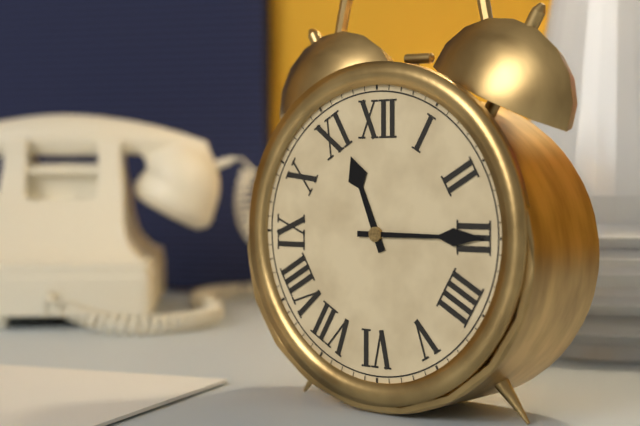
11:15
